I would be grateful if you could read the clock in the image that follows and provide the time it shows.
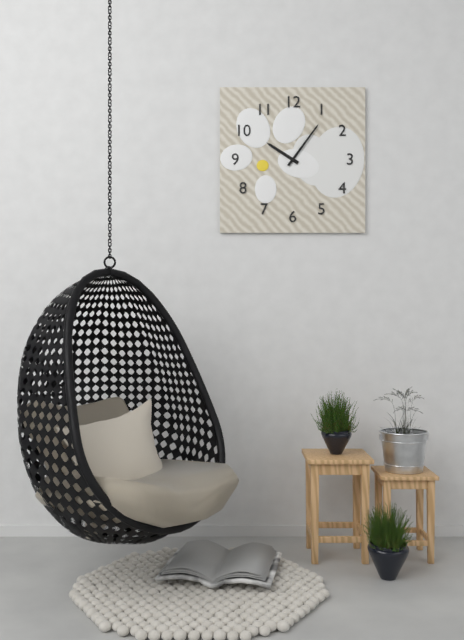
10:06
